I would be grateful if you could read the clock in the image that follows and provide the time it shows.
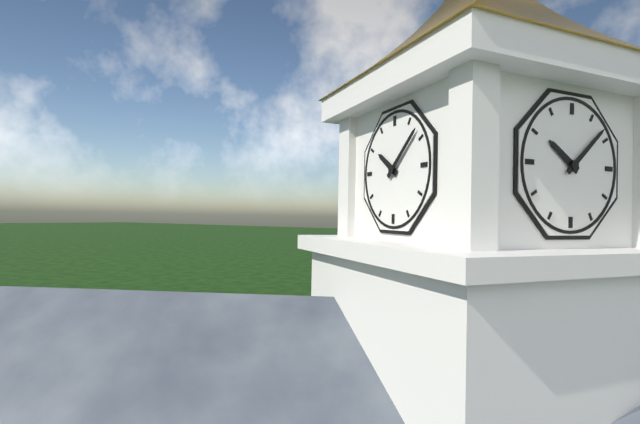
10:08
